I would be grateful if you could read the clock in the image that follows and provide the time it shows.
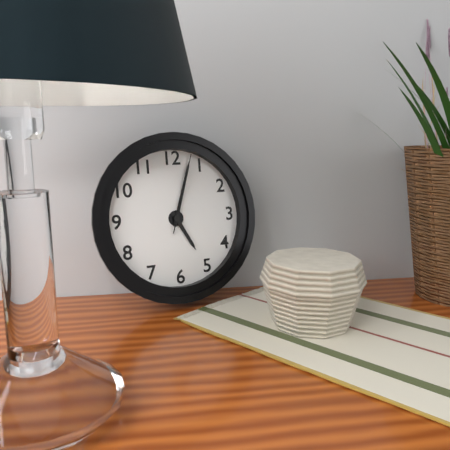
5:03:03
